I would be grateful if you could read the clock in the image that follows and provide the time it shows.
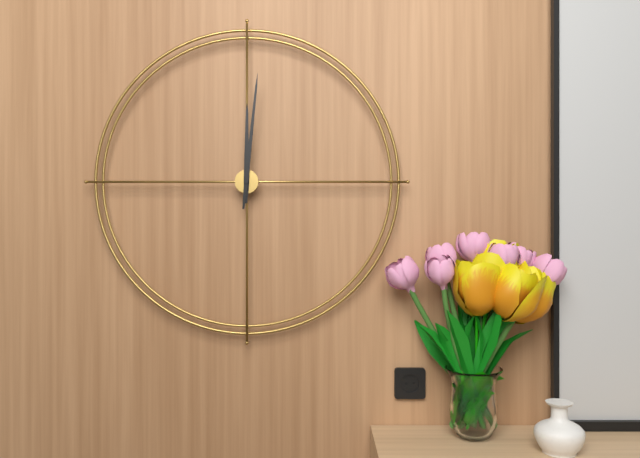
12:01
